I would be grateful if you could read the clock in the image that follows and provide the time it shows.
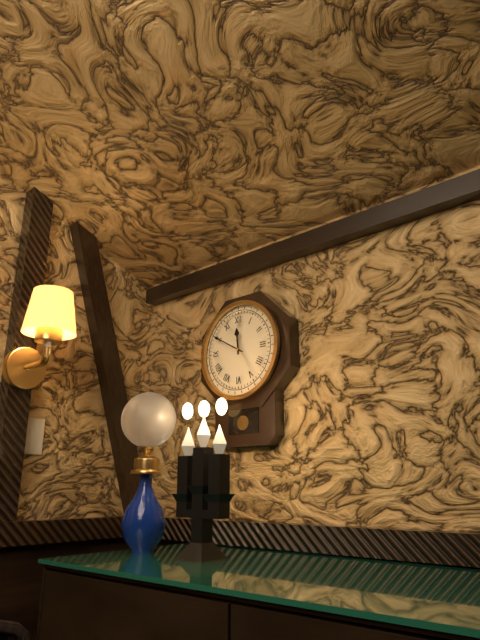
11:50
